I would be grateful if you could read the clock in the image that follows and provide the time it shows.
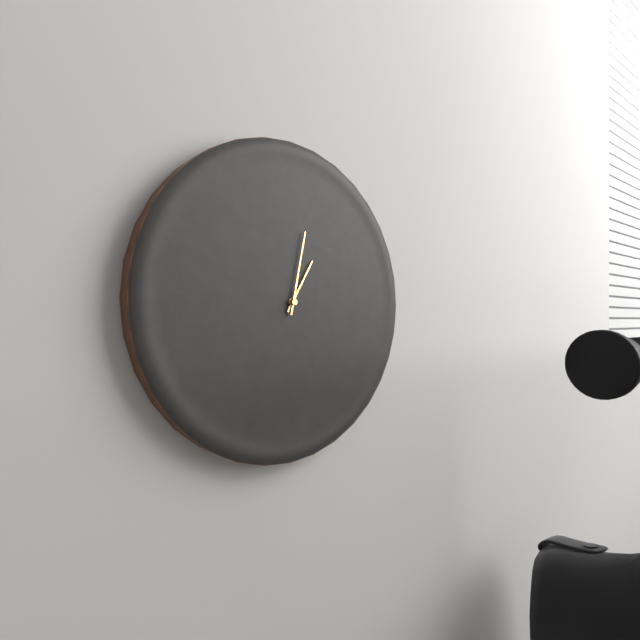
1:02
